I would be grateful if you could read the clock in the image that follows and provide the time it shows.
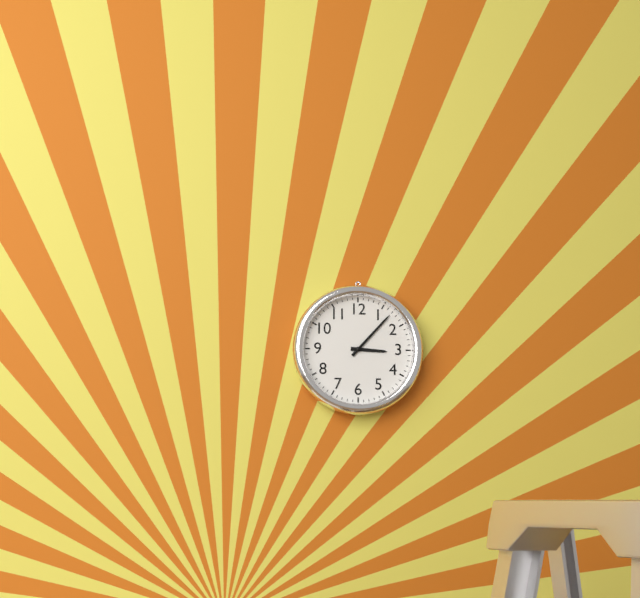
3:07
